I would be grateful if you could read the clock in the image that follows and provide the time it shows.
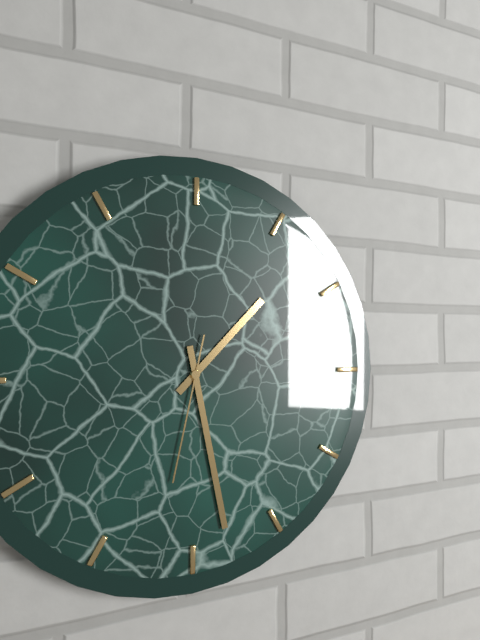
1:28:32
